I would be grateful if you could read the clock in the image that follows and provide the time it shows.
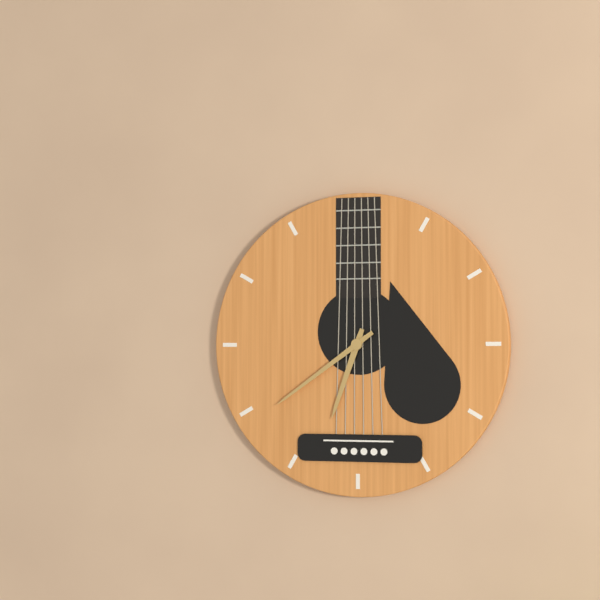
6:39
